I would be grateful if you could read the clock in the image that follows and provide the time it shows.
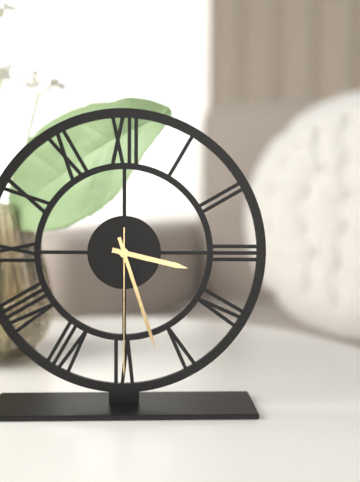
3:27:30
